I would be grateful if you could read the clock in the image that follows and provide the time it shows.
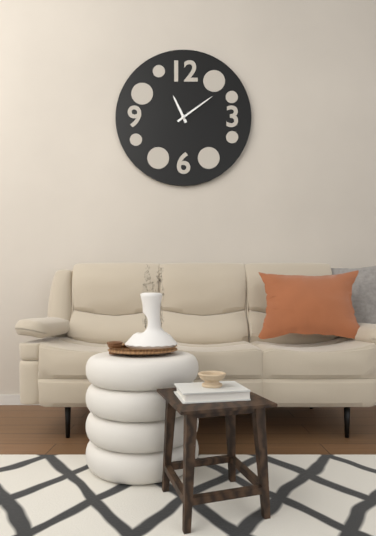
11:09
